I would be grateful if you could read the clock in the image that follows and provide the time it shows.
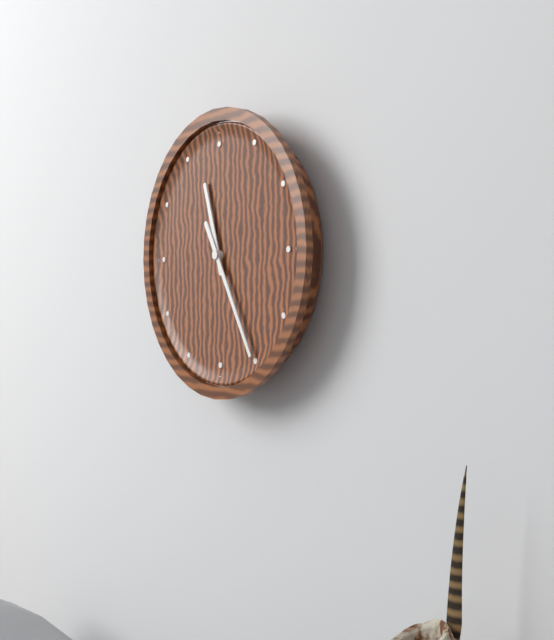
11:25
